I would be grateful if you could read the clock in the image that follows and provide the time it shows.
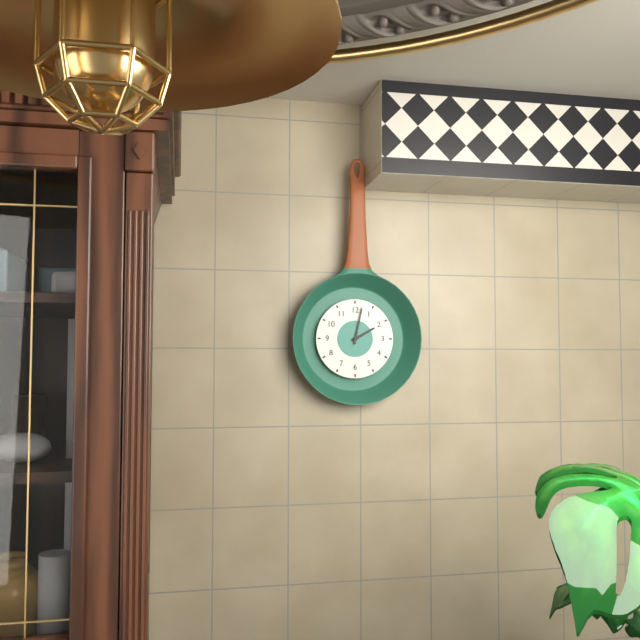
2:02
